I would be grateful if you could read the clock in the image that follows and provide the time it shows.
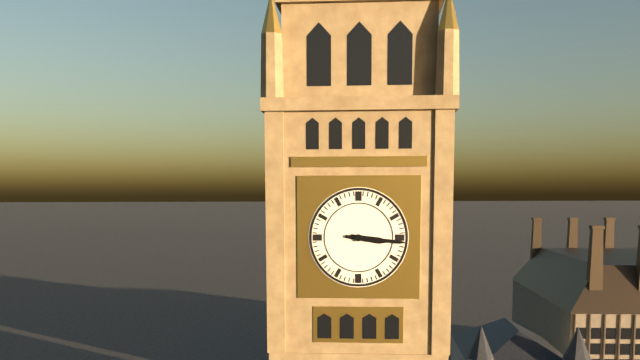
3:16
